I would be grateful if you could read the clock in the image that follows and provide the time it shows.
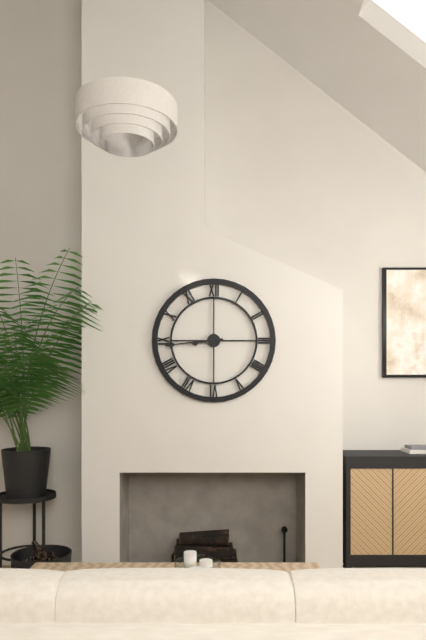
8:44
